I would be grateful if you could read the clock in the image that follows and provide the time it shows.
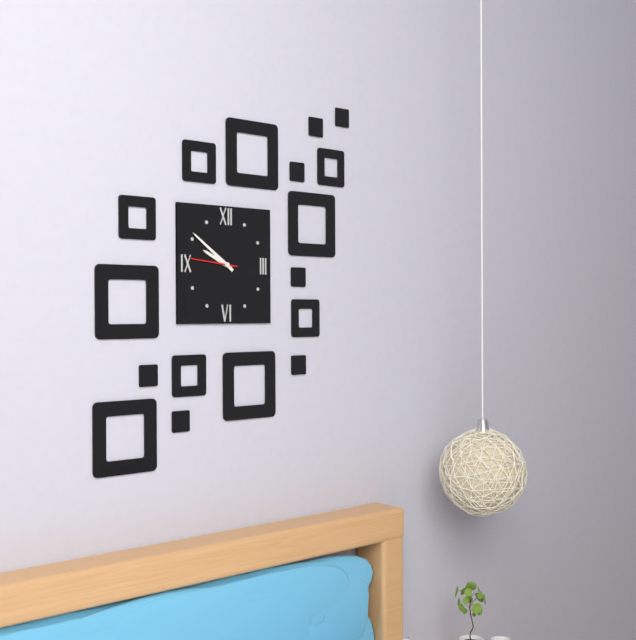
9:51
